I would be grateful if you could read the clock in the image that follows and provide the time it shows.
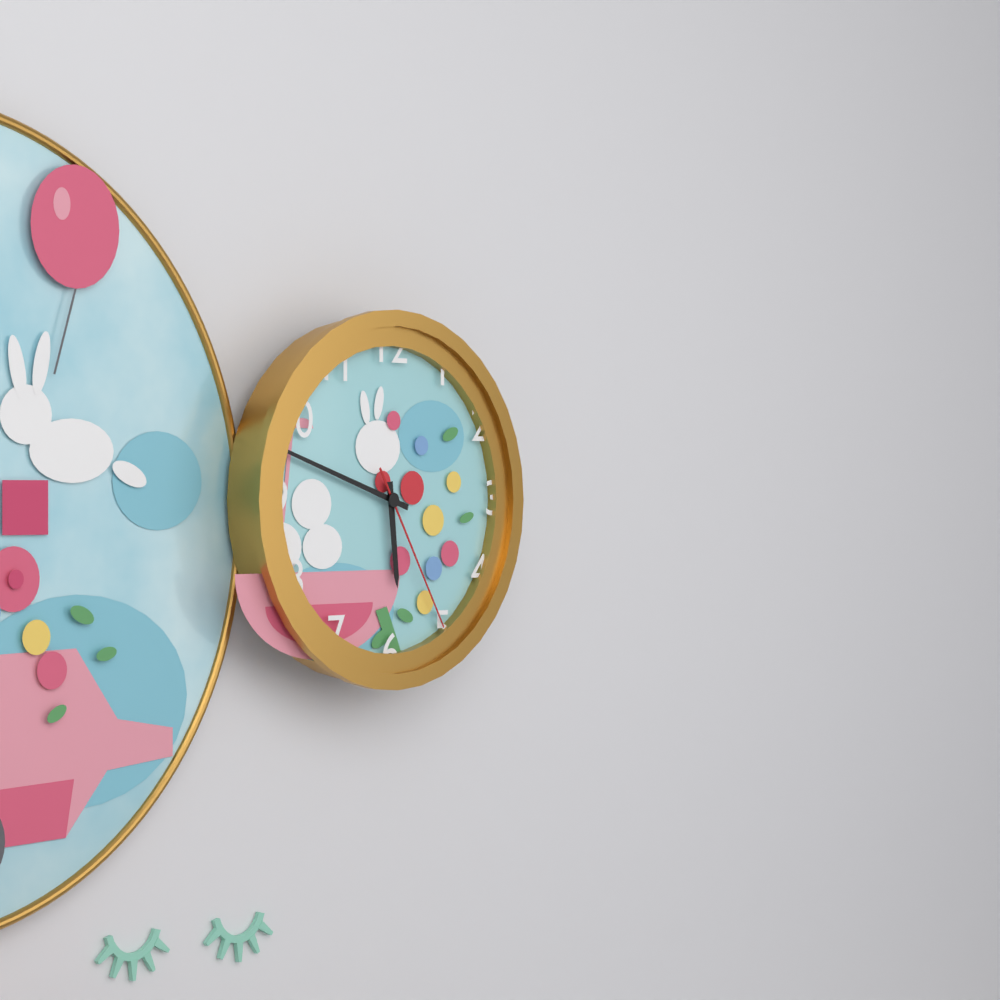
5:48:25
